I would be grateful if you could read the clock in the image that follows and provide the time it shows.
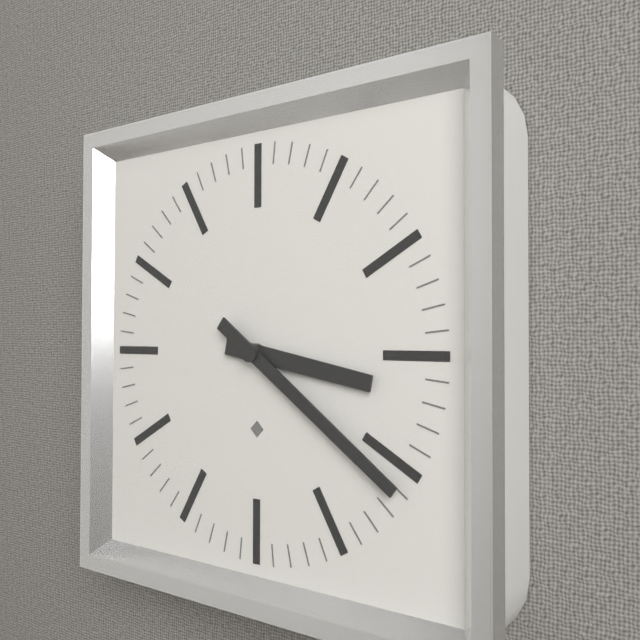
3:21
